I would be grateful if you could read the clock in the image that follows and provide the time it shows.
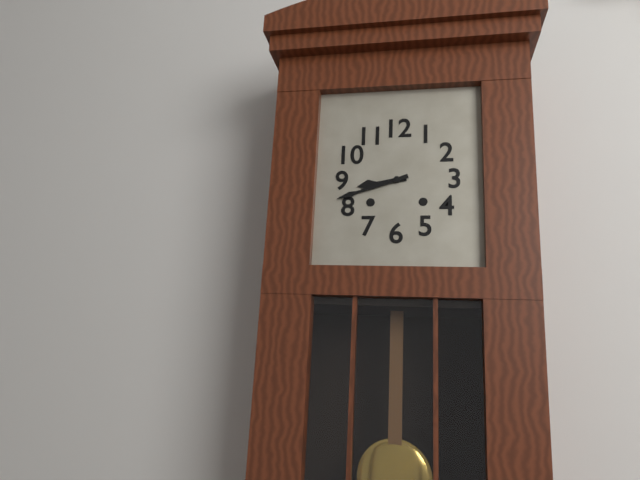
8:42
